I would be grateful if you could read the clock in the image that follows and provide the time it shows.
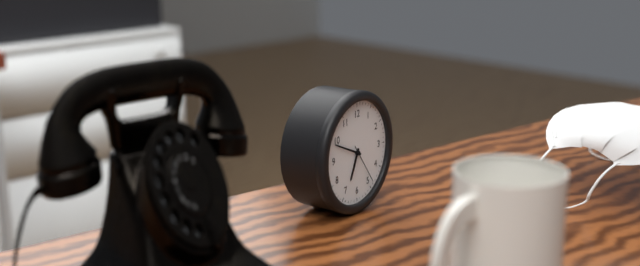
6:49
